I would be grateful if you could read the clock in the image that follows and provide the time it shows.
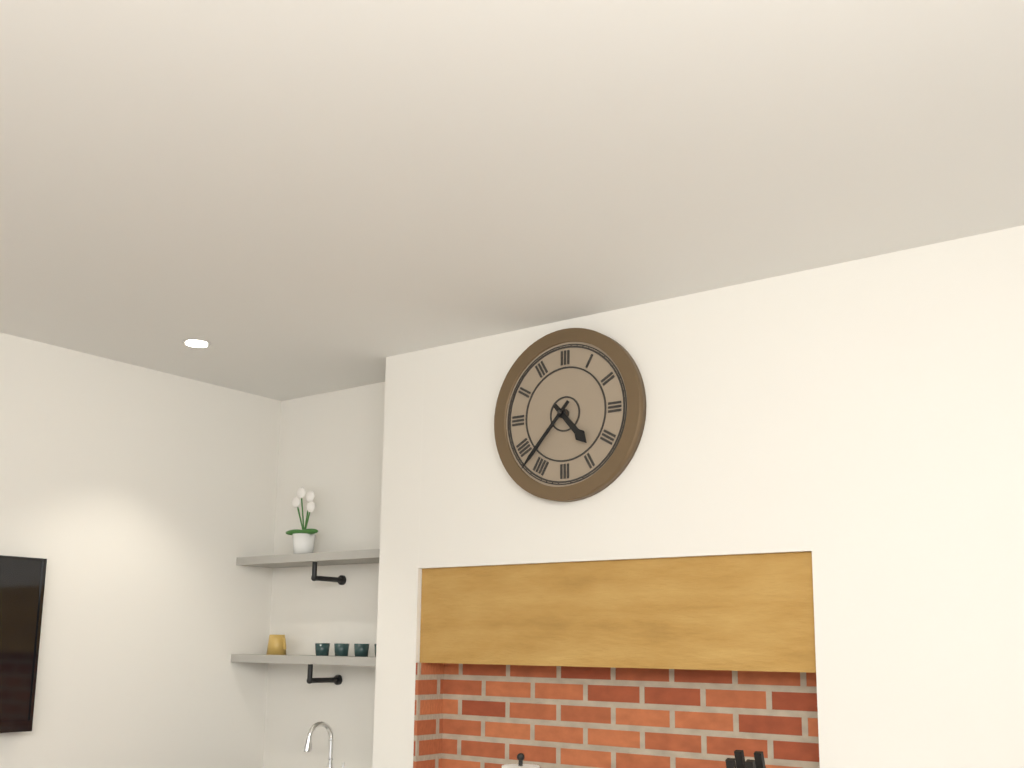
4:37
